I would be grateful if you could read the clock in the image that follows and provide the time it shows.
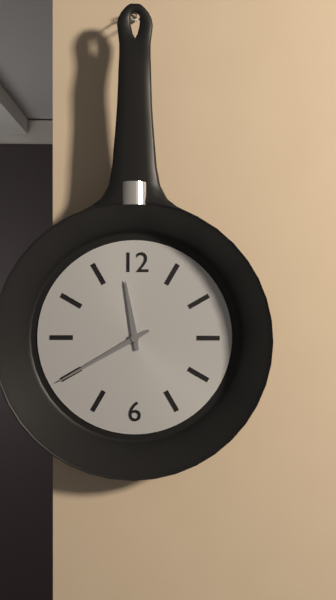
11:40
